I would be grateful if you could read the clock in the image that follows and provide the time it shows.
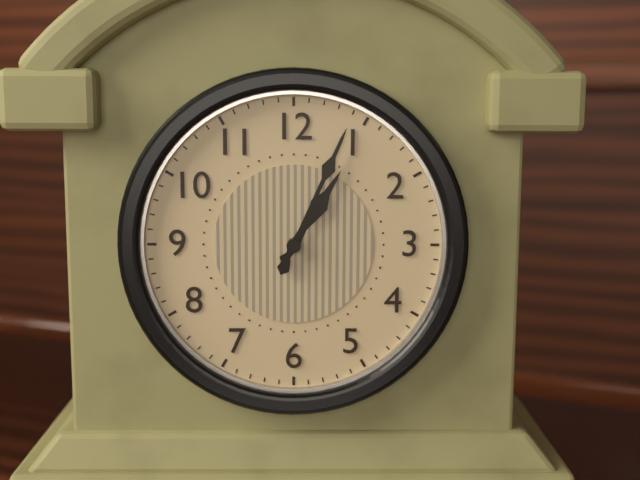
1:04
